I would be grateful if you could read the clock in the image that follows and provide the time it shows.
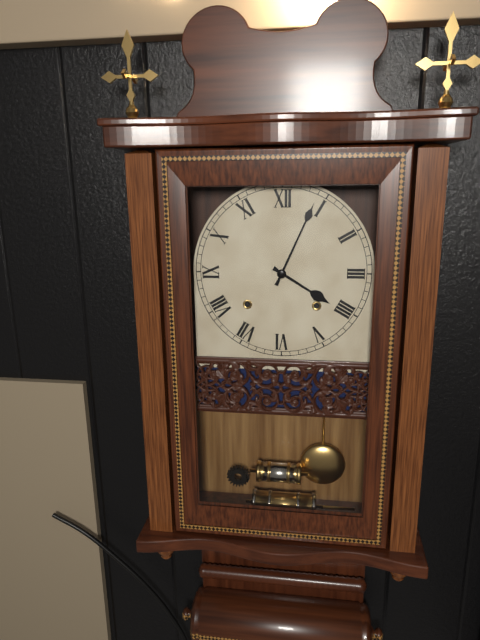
4:04
